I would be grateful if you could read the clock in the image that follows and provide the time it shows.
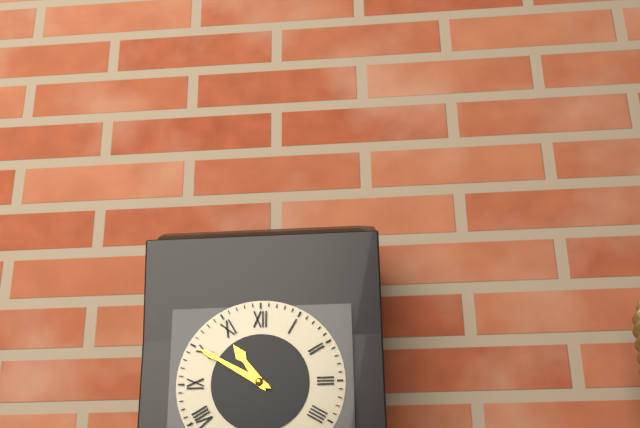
10:50
